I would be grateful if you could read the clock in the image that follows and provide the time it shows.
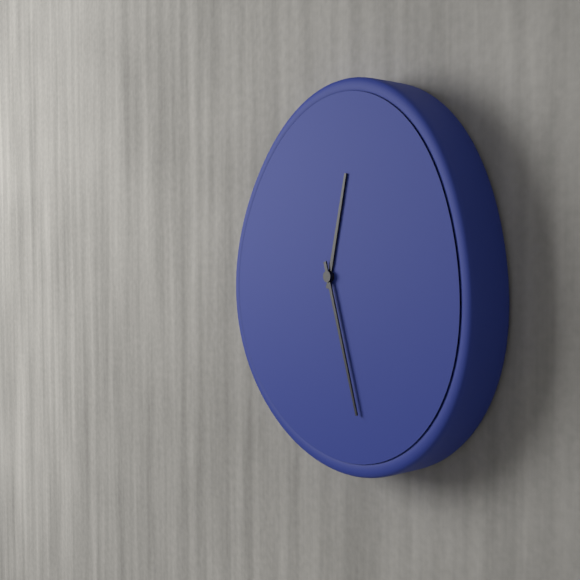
12:27
